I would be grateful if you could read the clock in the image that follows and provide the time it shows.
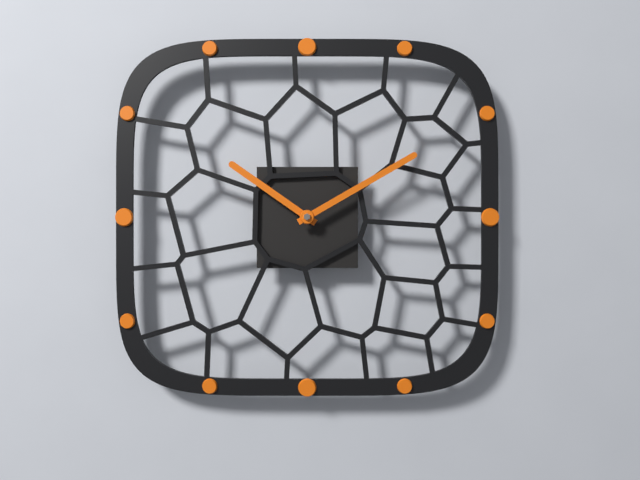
10:10
